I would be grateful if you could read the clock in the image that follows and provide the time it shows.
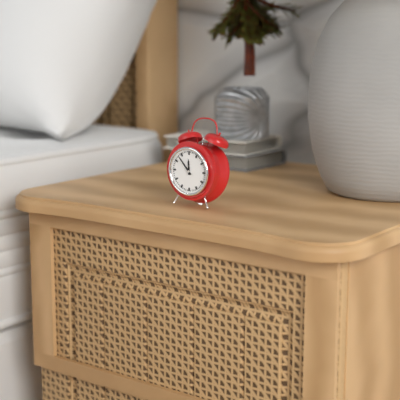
11:53
